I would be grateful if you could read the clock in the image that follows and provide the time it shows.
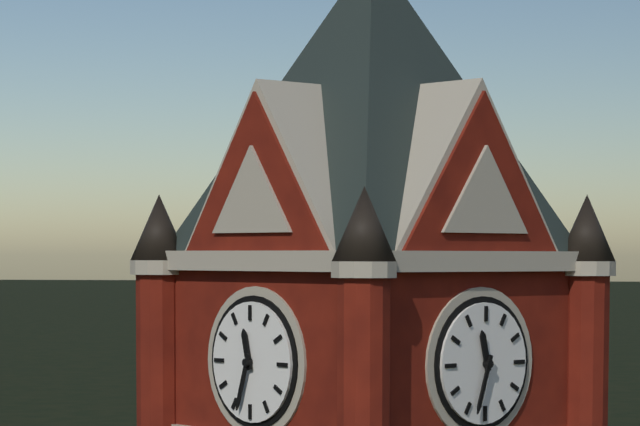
11:33
